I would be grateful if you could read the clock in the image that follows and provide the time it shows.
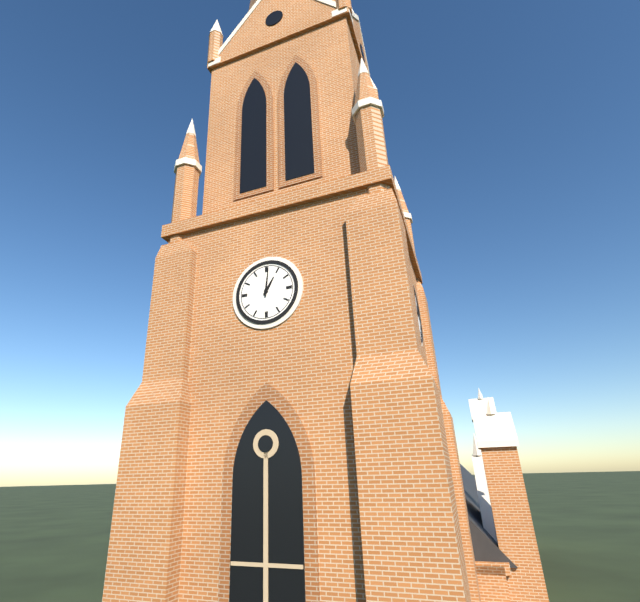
1:01
